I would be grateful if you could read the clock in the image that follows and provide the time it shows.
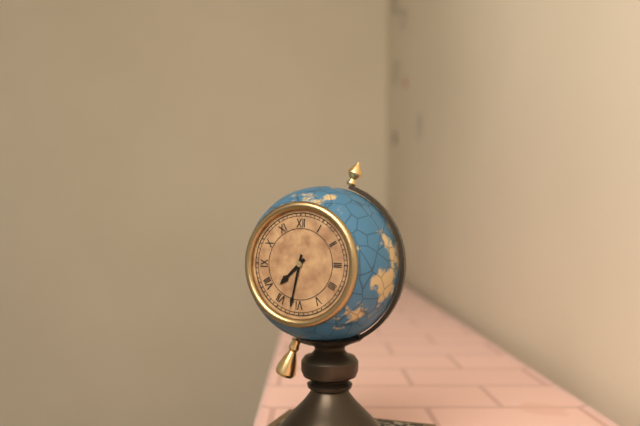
7:32
